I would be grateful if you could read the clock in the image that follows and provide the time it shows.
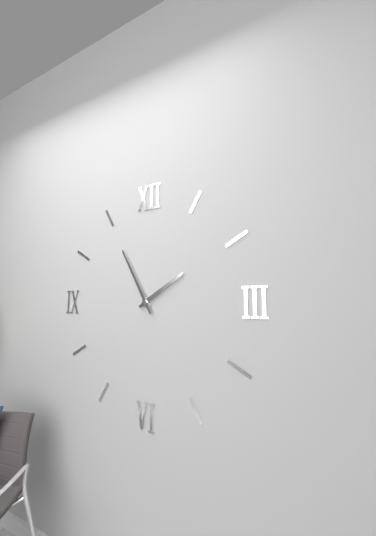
1:55
